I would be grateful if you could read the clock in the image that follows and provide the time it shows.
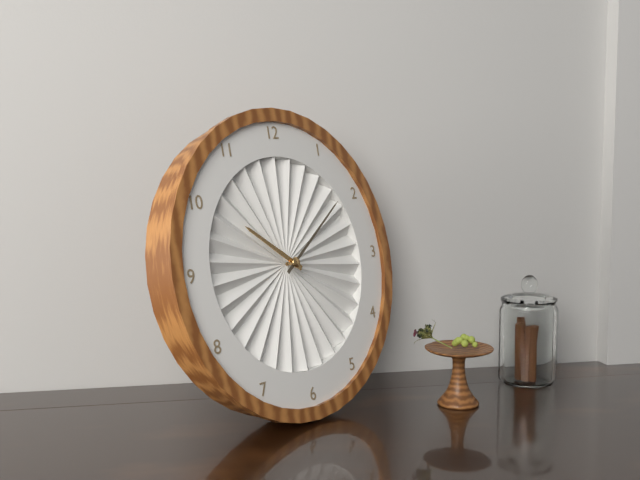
10:09
